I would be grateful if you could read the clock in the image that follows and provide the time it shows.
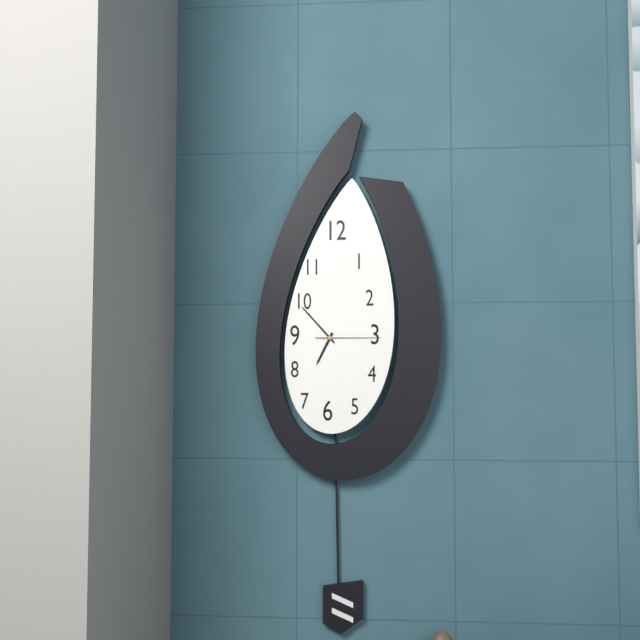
6:53:15
